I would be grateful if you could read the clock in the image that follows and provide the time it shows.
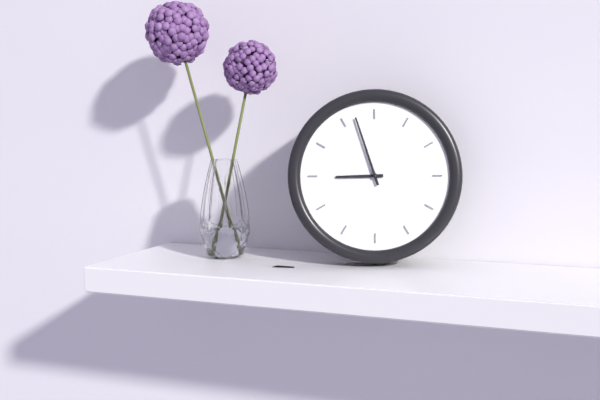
8:57
